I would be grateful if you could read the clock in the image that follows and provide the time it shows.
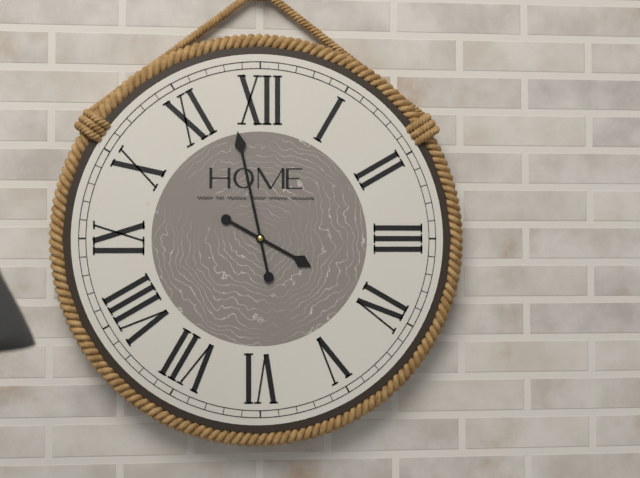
3:58
